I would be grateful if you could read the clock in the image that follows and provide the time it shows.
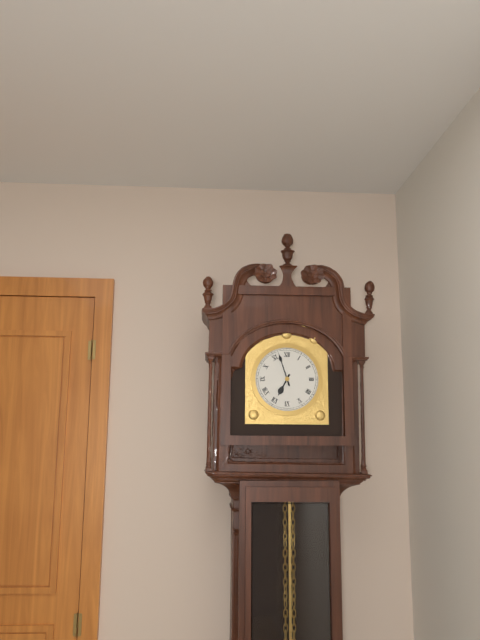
6:57
